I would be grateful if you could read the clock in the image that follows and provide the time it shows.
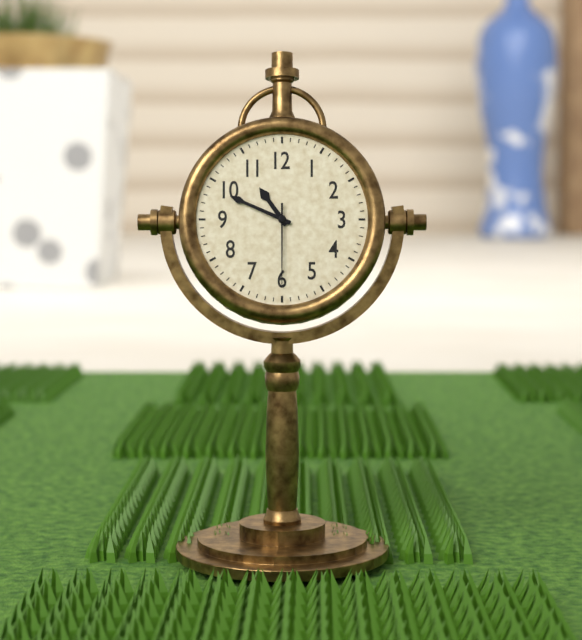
10:49:30
